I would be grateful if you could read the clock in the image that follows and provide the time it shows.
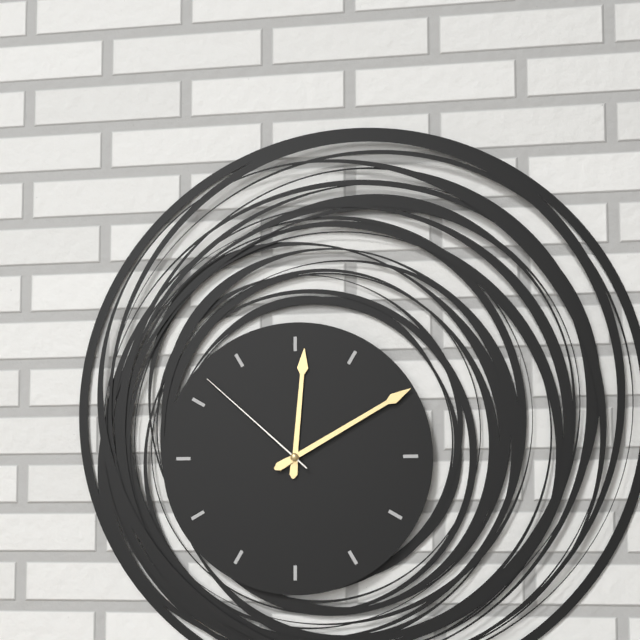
12:10:52
